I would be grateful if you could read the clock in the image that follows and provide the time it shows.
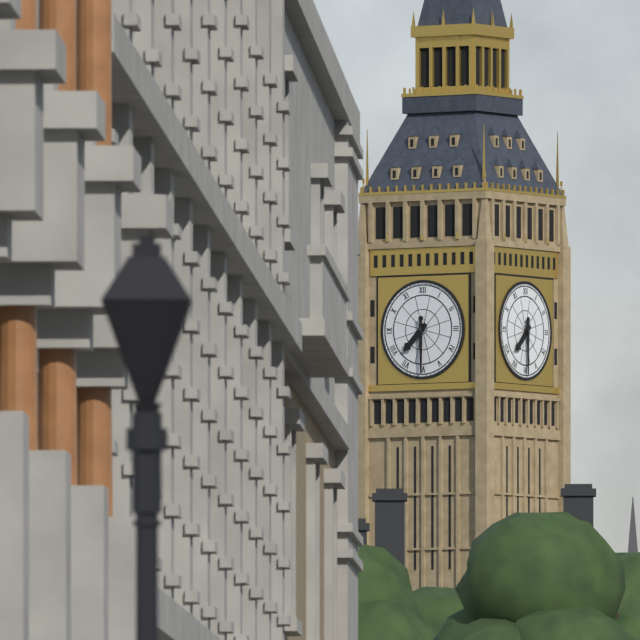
7:30
